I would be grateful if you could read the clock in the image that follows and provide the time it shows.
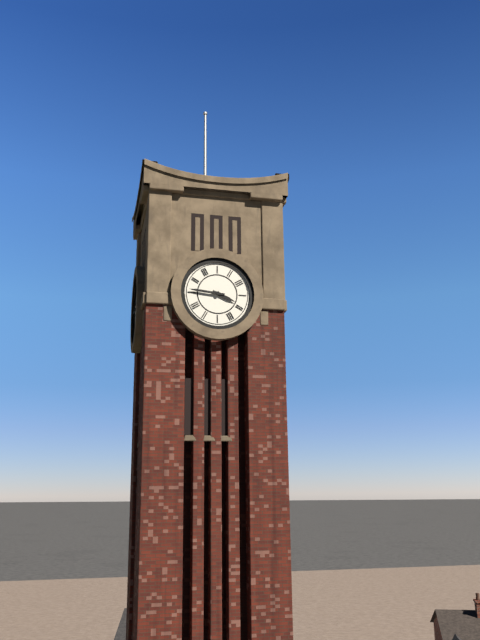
3:46
